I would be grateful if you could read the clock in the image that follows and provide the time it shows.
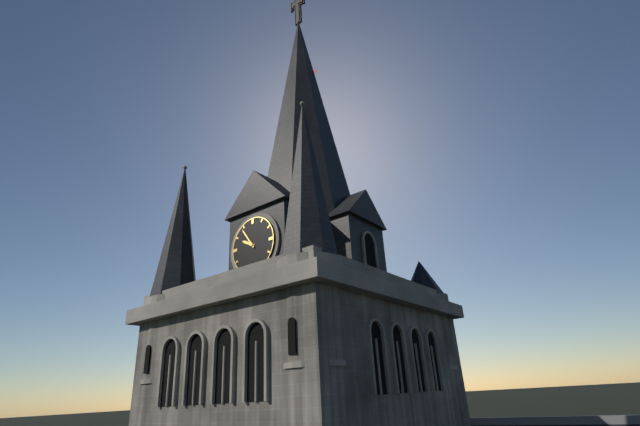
9:54
